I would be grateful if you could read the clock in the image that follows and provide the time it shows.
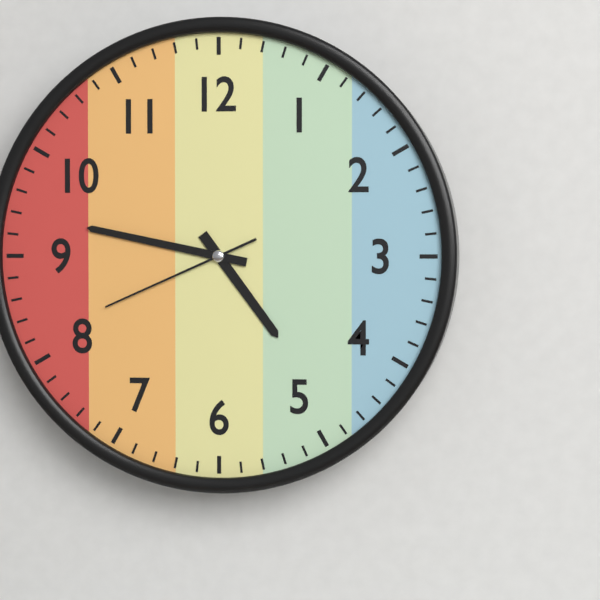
4:47:41
